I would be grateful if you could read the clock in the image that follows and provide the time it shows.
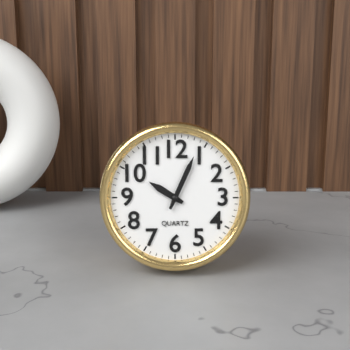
10:04
